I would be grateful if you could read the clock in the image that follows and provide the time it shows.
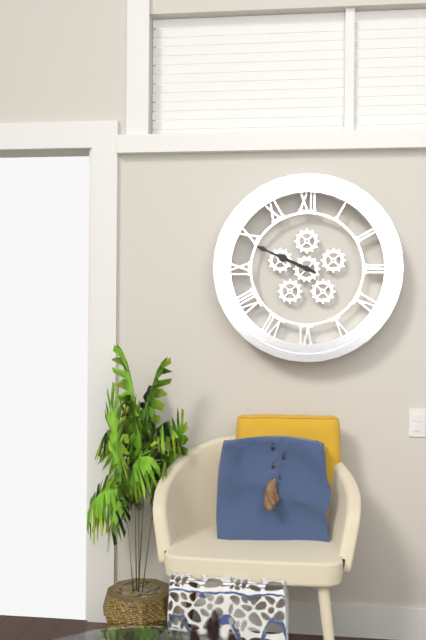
9:49
